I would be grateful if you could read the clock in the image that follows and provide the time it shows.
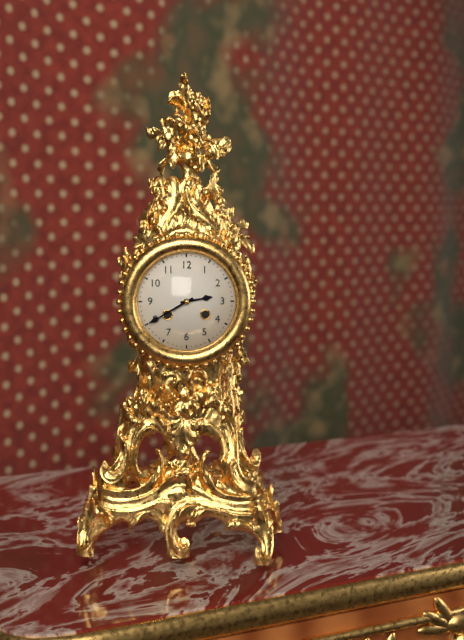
2:40
